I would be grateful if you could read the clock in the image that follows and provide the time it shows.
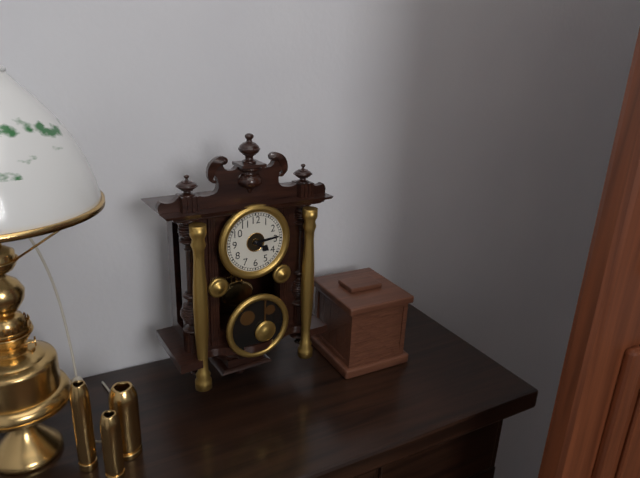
4:14
